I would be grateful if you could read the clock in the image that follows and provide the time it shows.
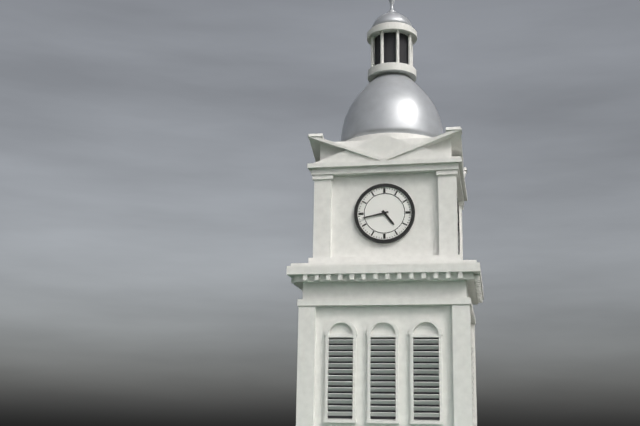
4:43
